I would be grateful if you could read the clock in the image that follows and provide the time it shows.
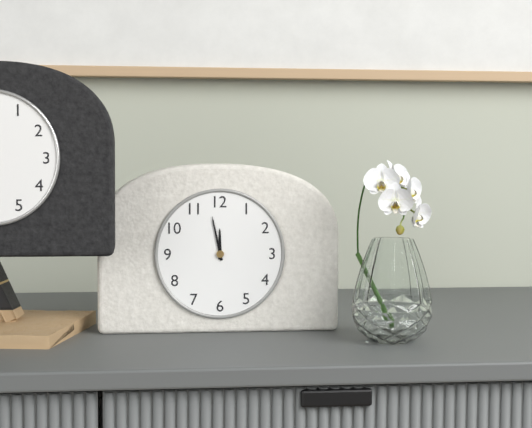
11:58
